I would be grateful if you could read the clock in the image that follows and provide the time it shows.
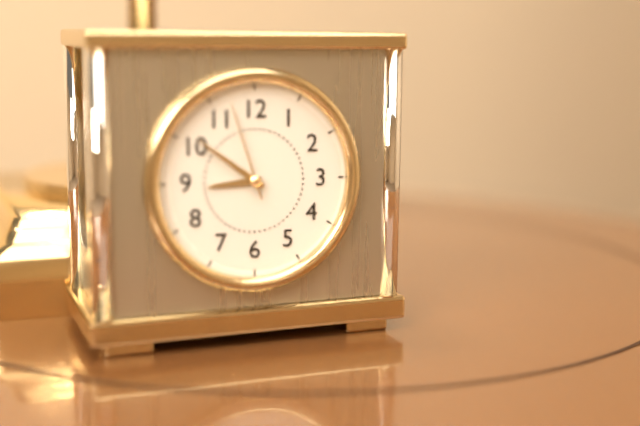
8:51:57
